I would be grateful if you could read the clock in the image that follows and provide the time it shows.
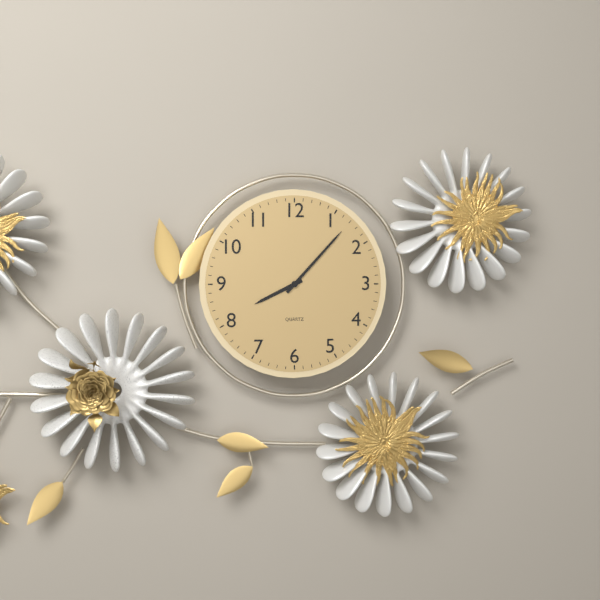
8:07
